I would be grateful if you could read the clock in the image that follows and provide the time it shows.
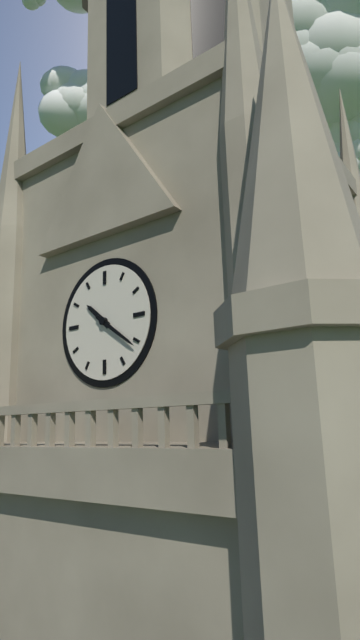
10:21
